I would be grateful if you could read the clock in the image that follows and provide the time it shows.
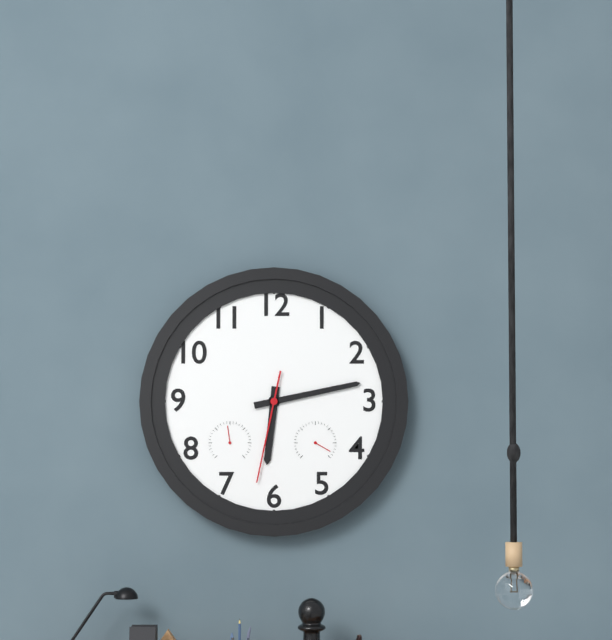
6:13:32
